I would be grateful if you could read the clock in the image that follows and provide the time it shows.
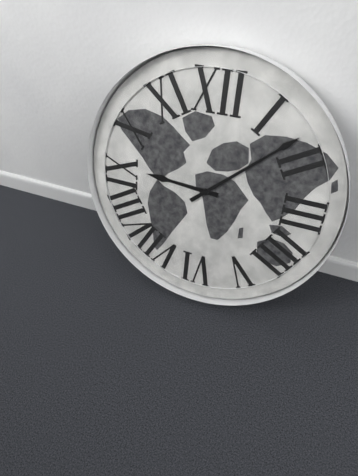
9:08
